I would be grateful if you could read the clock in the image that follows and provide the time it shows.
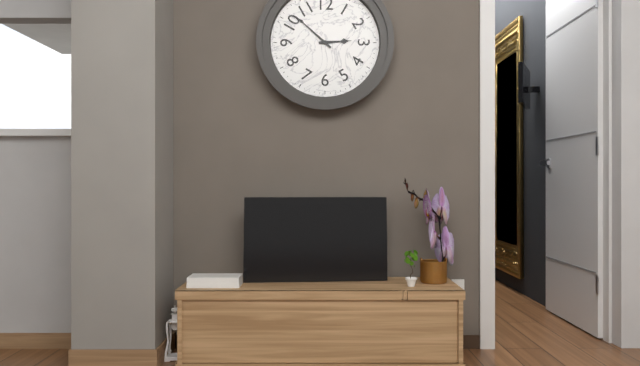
2:52
